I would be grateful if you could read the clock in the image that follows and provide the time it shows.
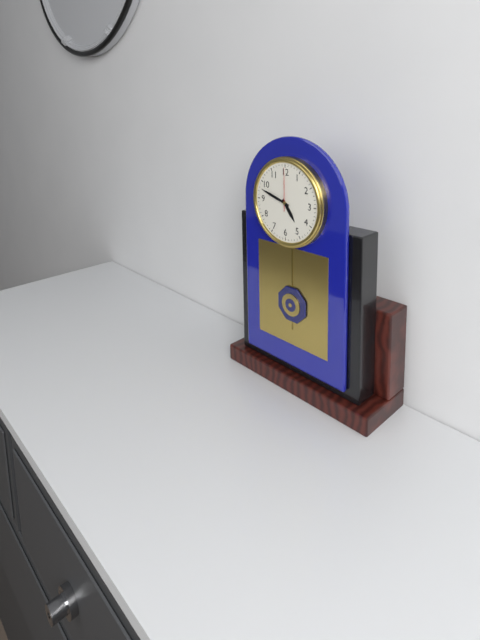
4:48
